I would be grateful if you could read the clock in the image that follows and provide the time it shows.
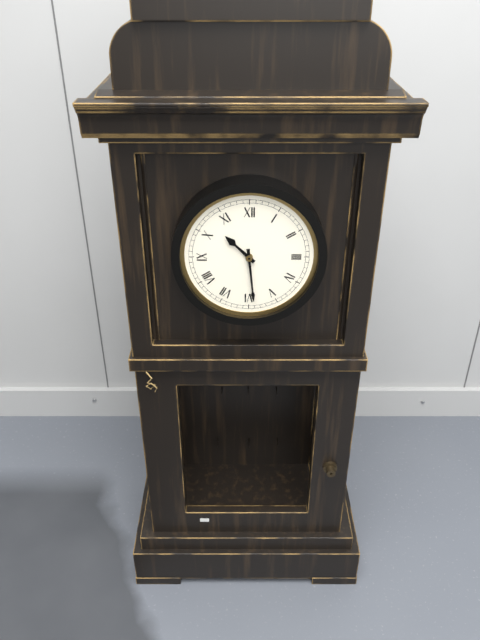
10:29
